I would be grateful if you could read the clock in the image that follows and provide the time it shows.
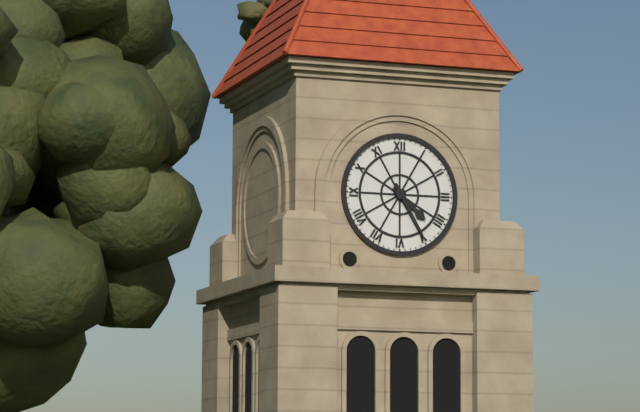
4:25
